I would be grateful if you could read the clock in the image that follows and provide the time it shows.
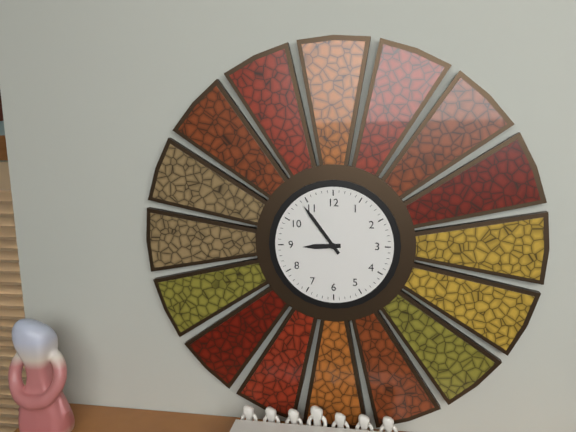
8:54
